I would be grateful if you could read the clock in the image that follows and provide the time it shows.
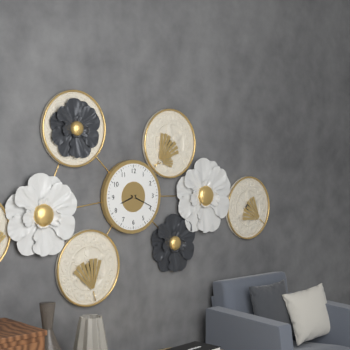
8:19
